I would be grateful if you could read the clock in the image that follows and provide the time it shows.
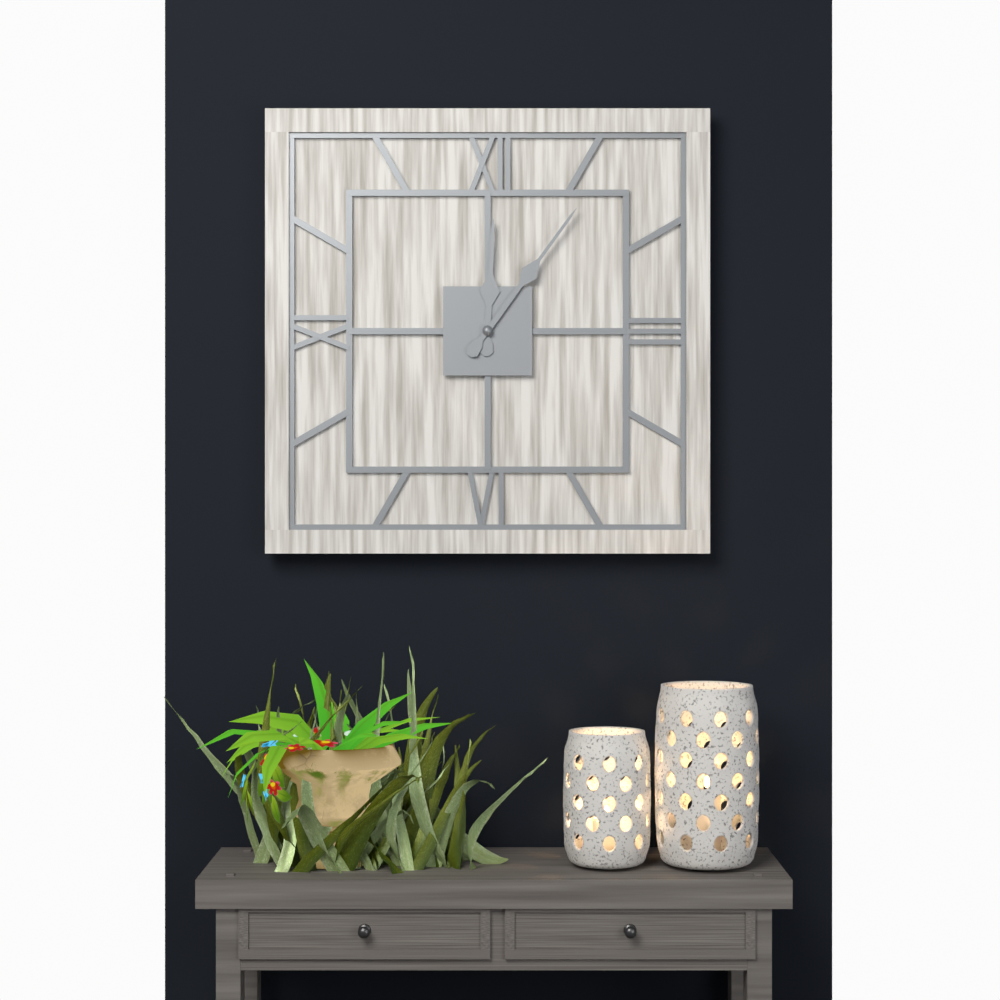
12:06
